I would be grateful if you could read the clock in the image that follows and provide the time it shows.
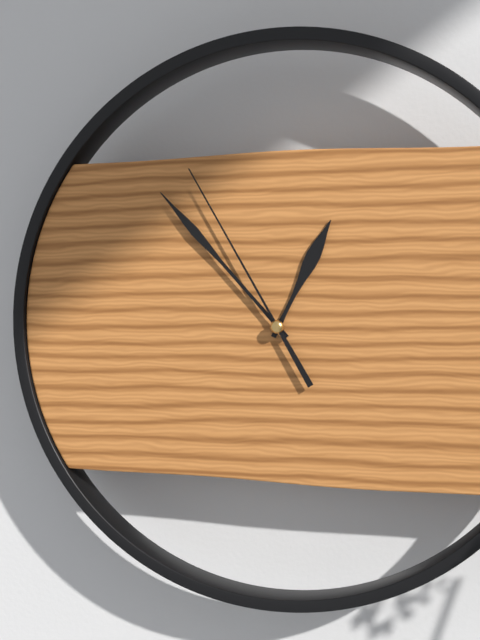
12:53:55
